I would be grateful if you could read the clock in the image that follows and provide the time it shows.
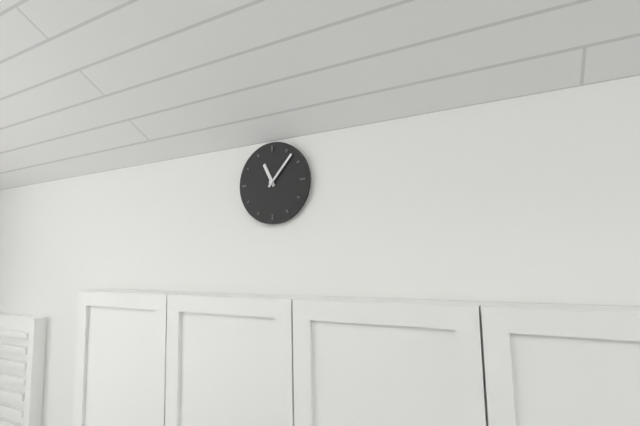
11:07
